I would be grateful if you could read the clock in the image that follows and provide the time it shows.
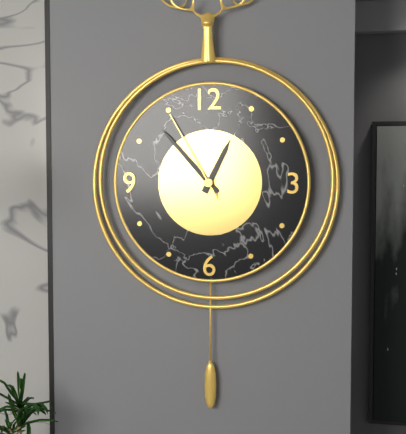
12:53:55
